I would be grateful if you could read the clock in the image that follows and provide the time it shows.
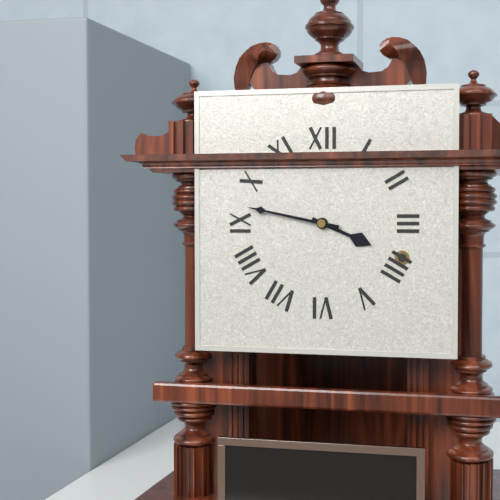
3:47
